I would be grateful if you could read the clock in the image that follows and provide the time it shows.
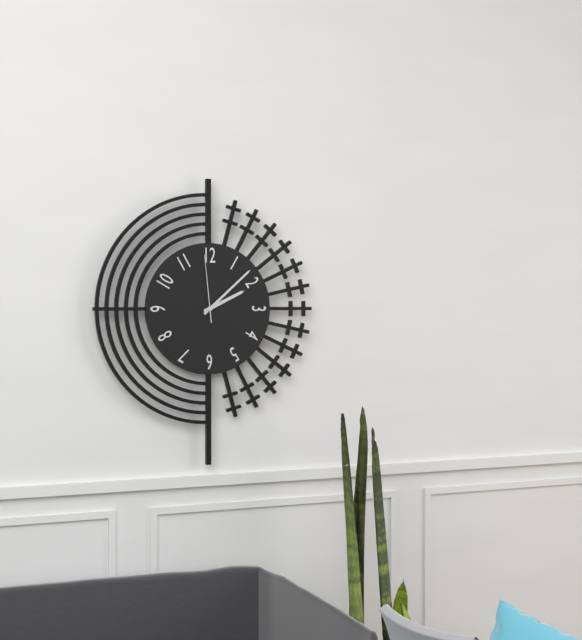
2:08:59
